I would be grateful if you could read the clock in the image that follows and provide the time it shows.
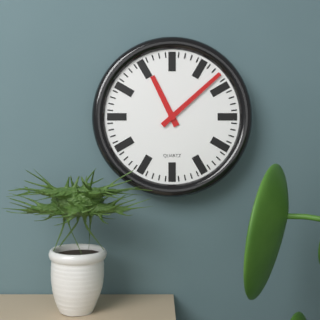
11:08
